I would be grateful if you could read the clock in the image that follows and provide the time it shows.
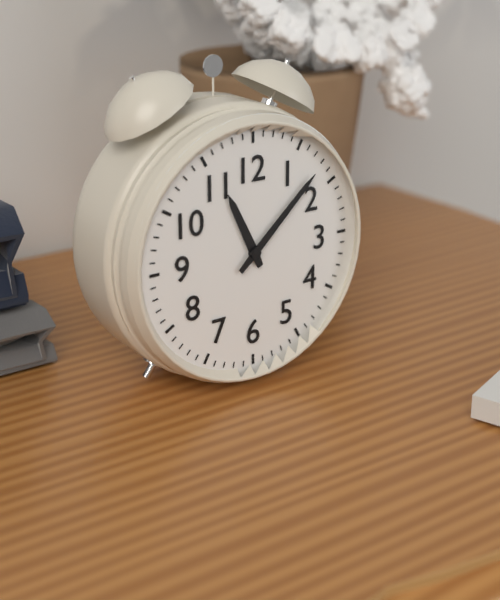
11:08
